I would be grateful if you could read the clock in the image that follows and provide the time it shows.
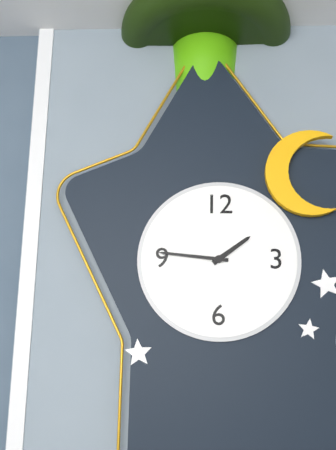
1:46
